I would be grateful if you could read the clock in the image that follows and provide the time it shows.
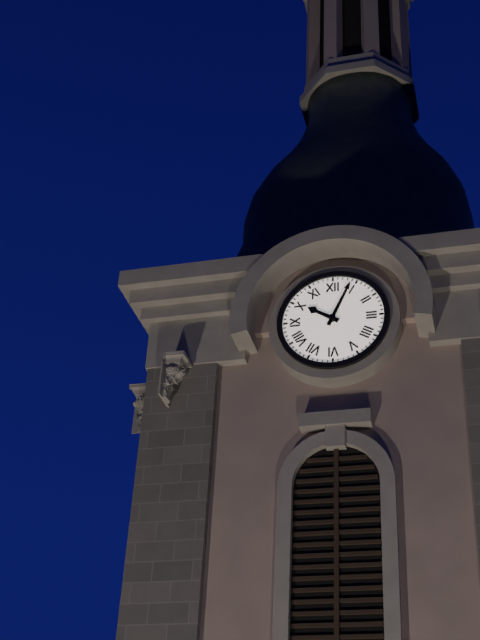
10:04
